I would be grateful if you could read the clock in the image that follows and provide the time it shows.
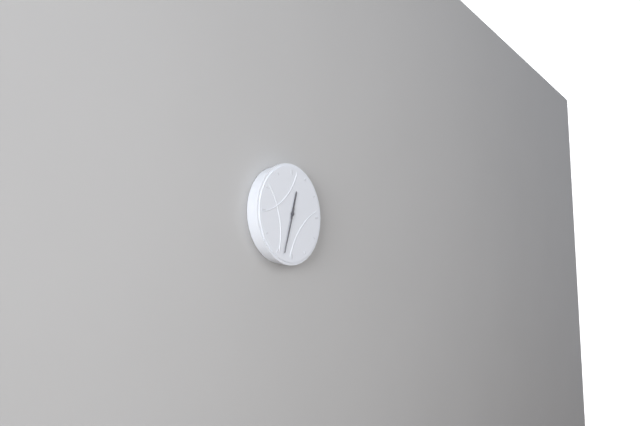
12:33
